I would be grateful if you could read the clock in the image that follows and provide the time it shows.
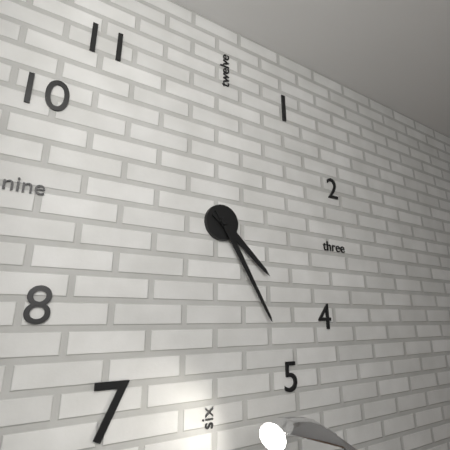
4:25
